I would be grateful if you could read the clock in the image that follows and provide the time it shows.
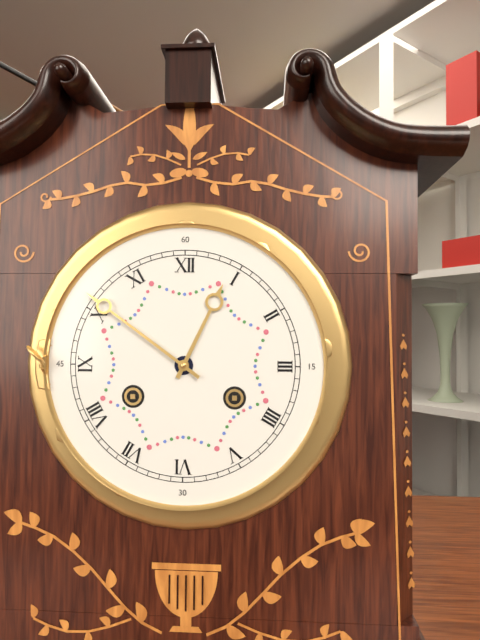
12:51
